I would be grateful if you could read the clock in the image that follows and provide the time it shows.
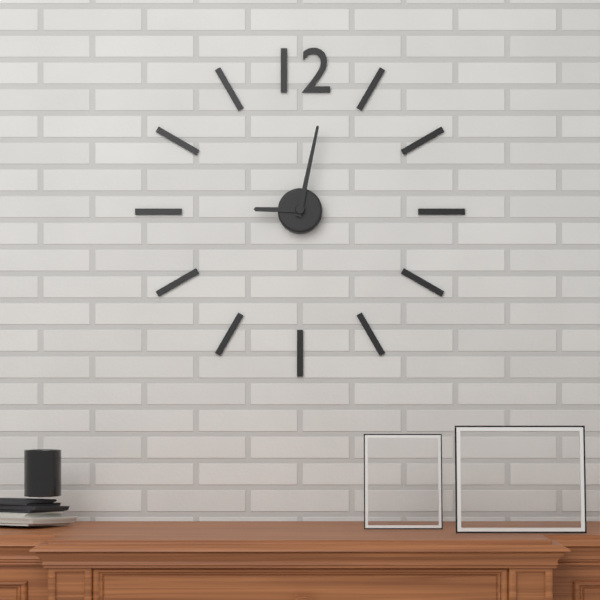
9:02
